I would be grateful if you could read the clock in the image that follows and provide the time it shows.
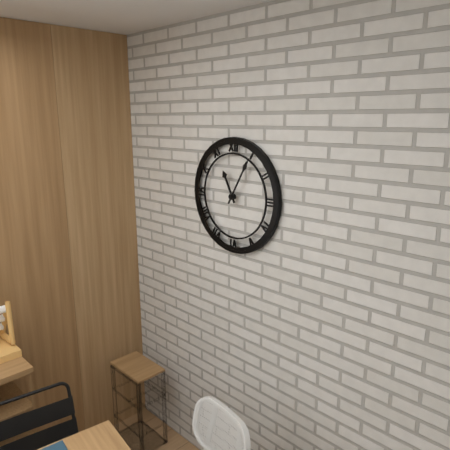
11:05
